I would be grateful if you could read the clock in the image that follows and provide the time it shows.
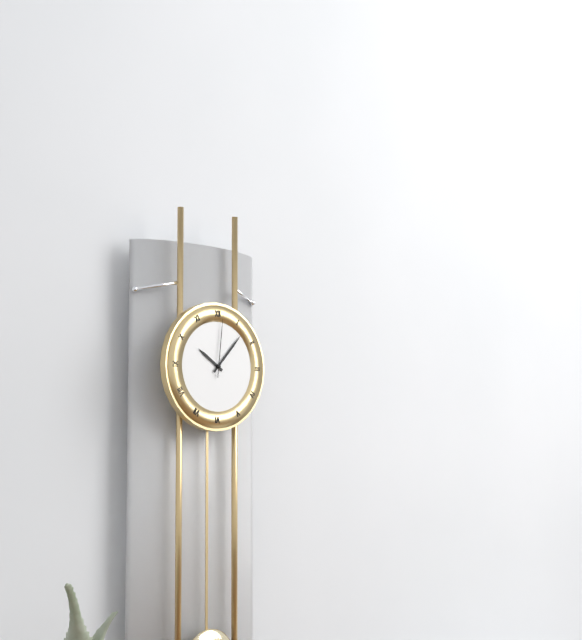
10:07:01
